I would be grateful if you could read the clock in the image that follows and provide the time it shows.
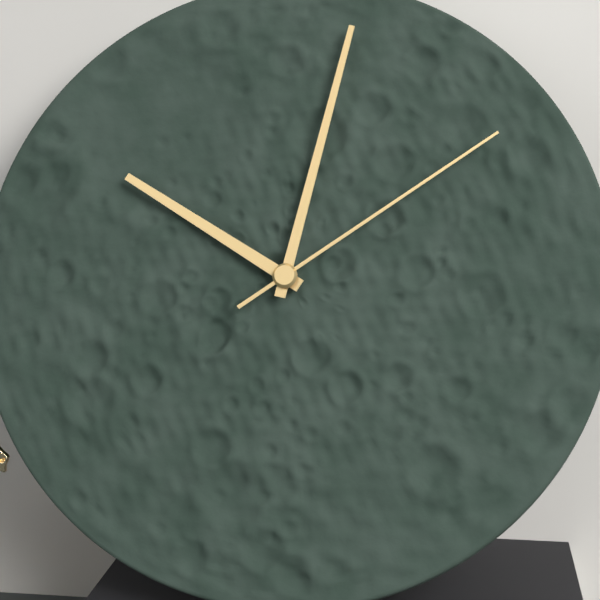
10:02:09
